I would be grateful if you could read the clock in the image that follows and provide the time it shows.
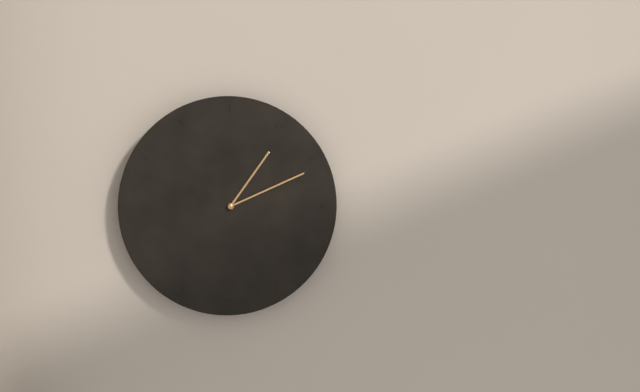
1:11
